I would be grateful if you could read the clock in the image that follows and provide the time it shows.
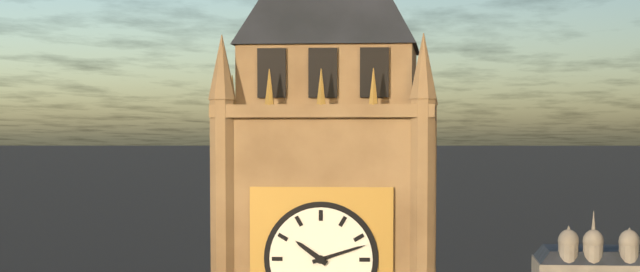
10:12
